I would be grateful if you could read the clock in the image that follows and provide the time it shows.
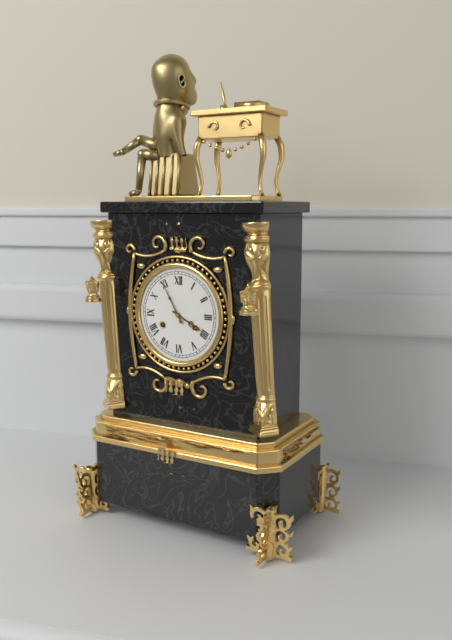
3:55
